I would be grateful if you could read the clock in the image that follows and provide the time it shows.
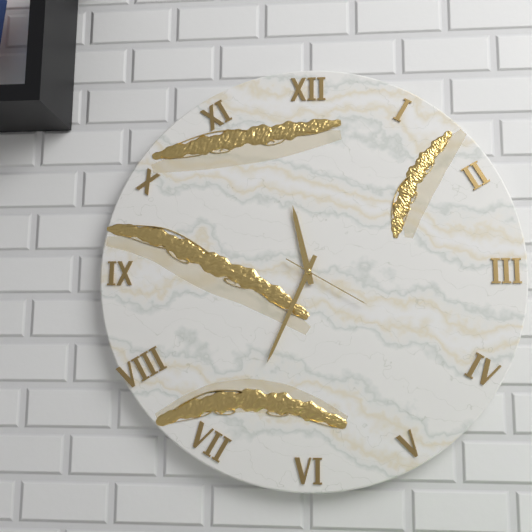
11:34:20
